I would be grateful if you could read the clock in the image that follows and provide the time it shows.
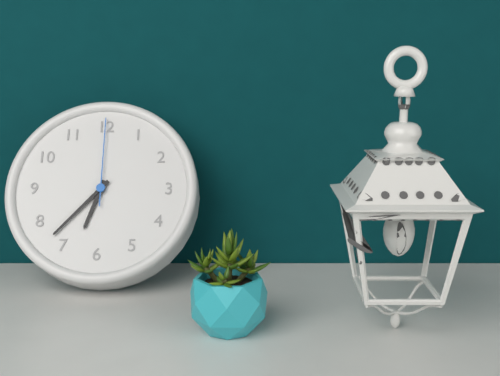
6:37:00
